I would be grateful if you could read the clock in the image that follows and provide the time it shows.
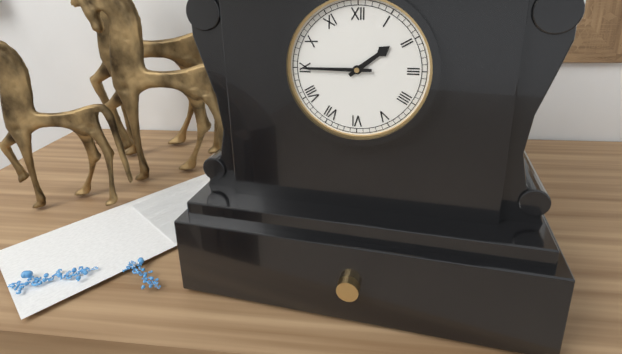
1:45
